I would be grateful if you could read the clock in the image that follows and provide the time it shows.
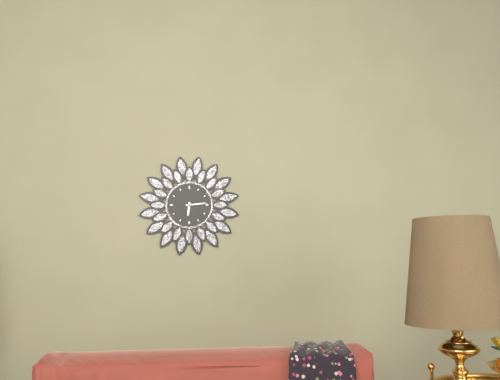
6:14
